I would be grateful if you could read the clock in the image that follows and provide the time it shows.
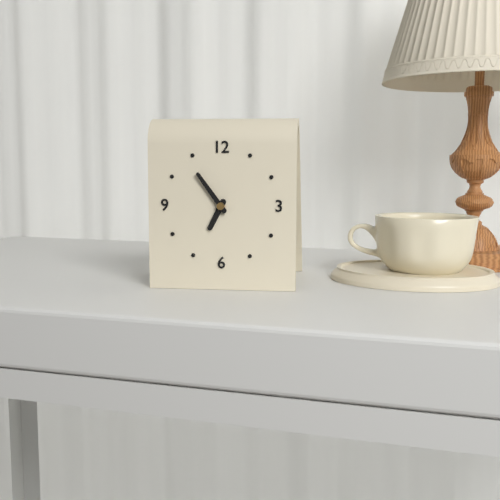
6:54
